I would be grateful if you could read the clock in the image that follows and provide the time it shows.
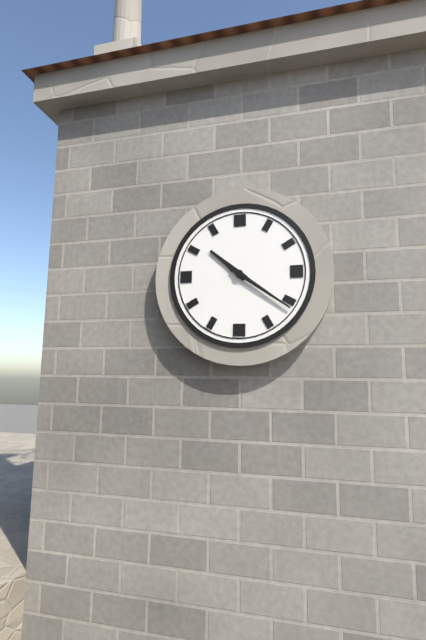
10:21
